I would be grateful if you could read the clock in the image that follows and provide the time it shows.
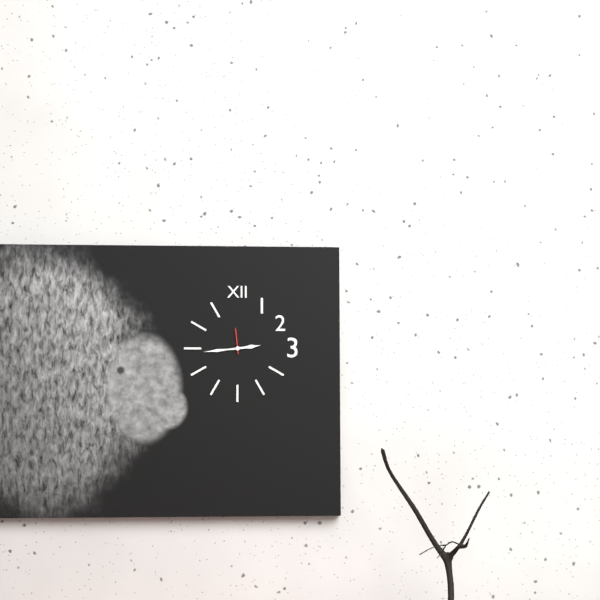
2:44
